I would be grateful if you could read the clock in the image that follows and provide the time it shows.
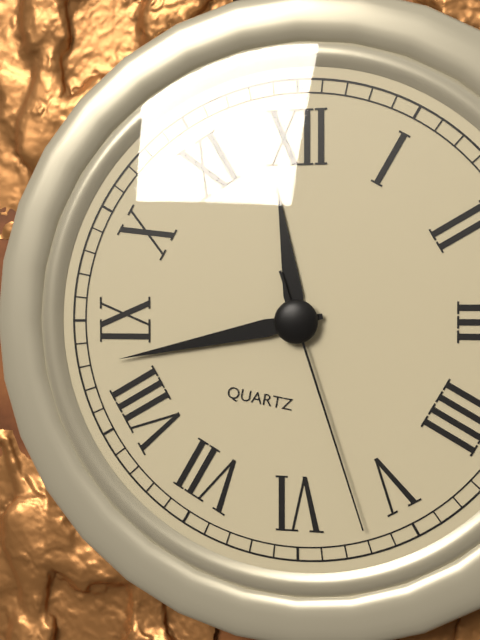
11:43:27
